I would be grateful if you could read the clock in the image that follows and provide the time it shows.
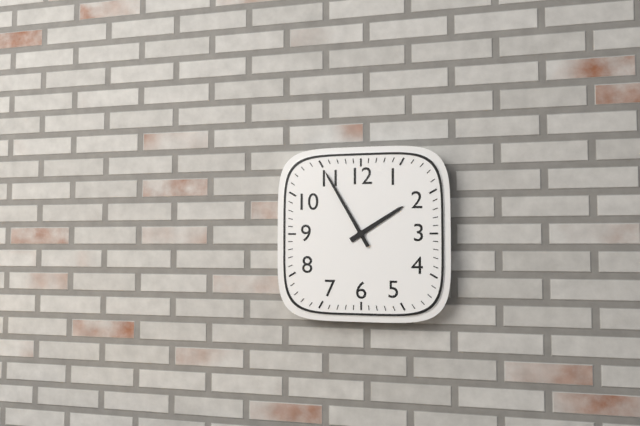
1:55
